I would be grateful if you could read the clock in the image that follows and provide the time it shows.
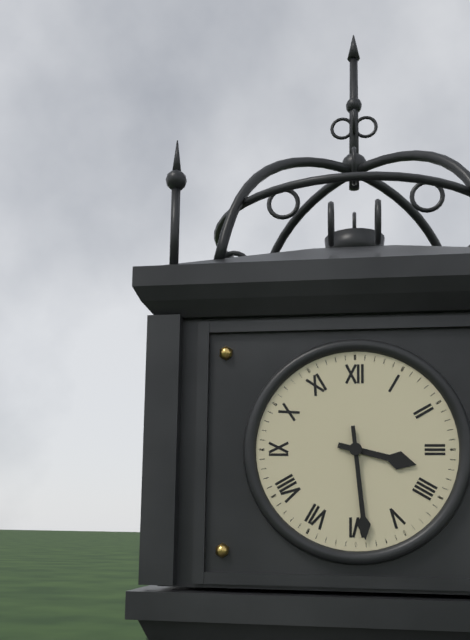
3:29
